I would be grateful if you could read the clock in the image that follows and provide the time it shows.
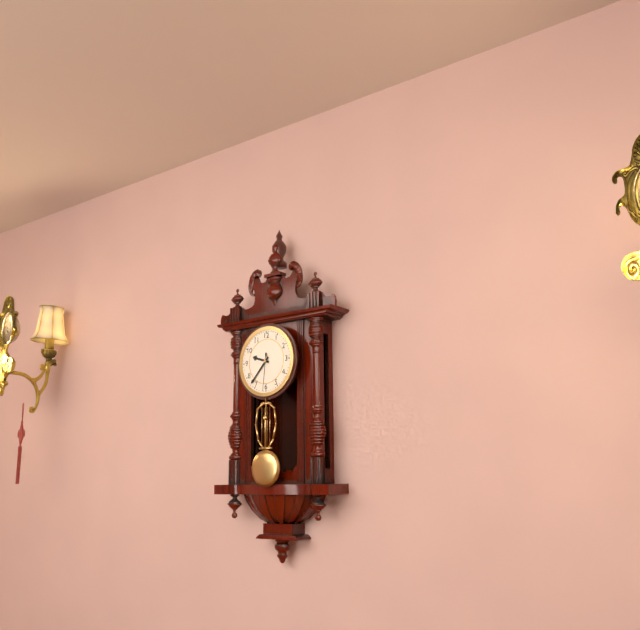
9:37
